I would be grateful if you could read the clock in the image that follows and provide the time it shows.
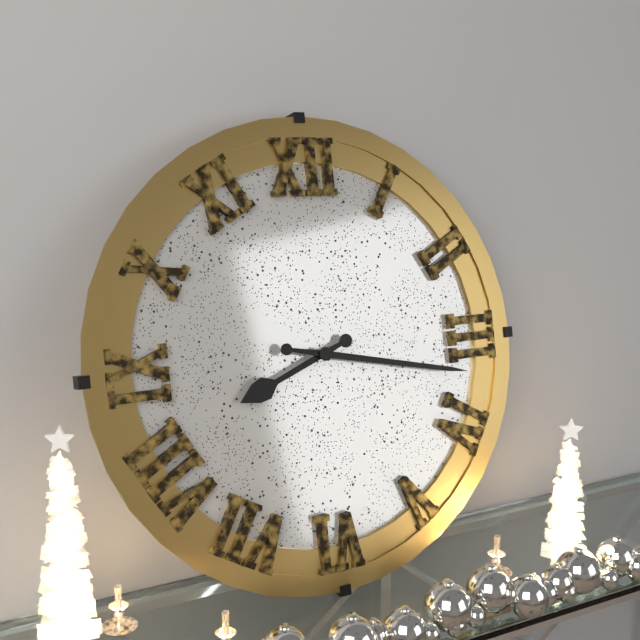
8:17
